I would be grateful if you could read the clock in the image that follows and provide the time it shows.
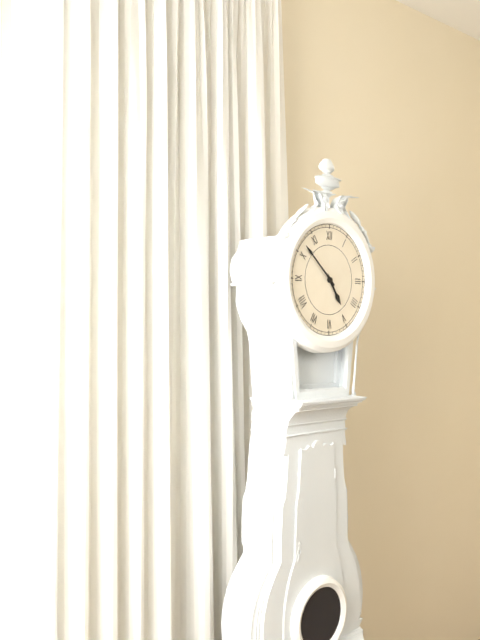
4:52
